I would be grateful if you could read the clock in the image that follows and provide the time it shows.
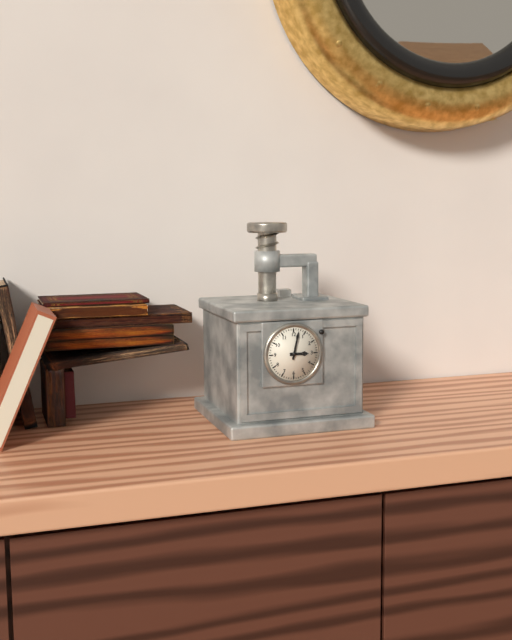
3:02
